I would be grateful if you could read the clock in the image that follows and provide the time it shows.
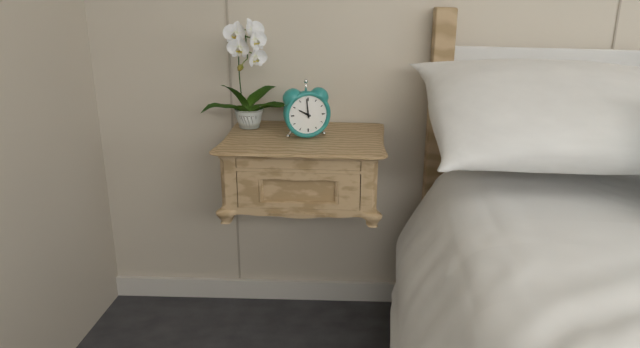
9:59
